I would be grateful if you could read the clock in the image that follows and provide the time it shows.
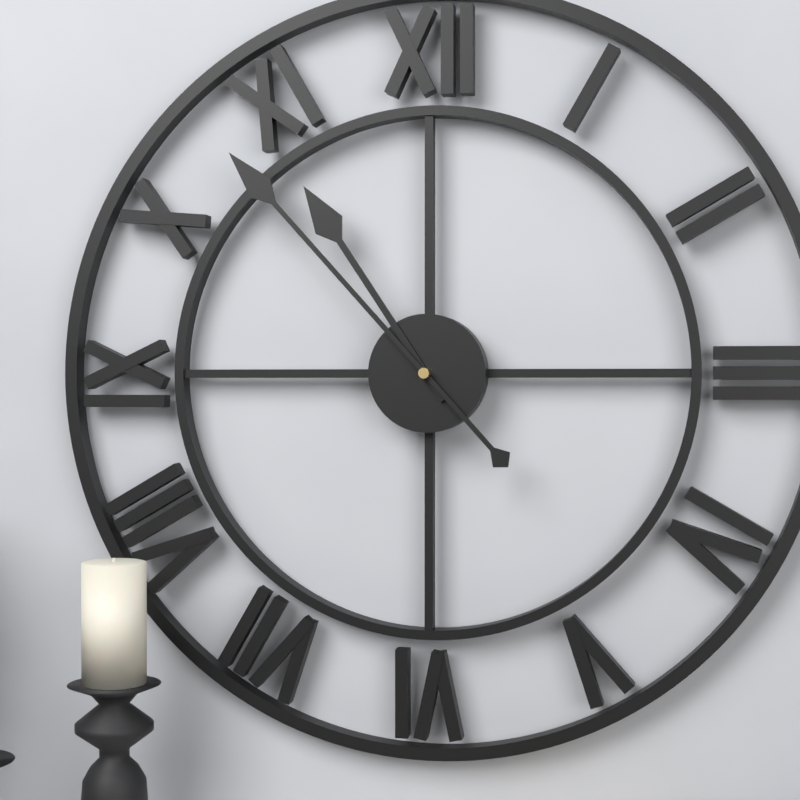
10:53
